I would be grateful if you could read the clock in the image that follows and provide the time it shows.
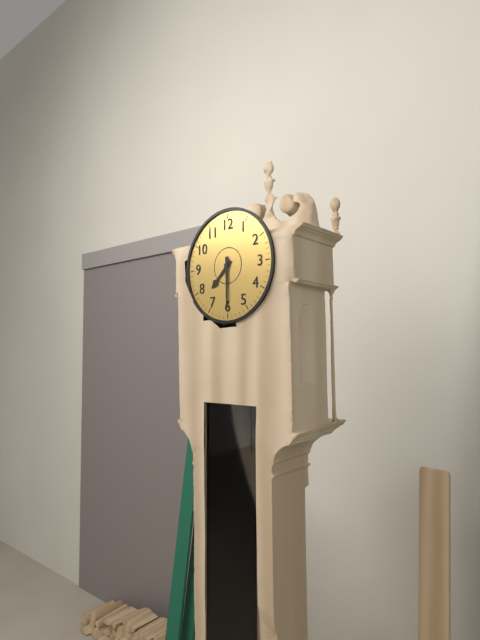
7:30
